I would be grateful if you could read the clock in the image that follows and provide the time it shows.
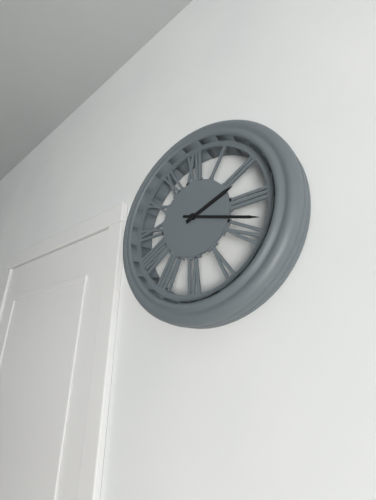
2:18
